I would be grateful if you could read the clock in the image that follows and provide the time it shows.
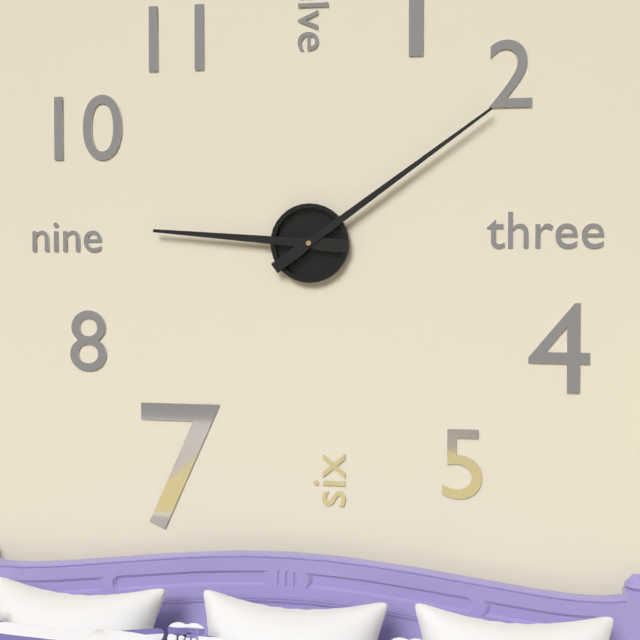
9:09
